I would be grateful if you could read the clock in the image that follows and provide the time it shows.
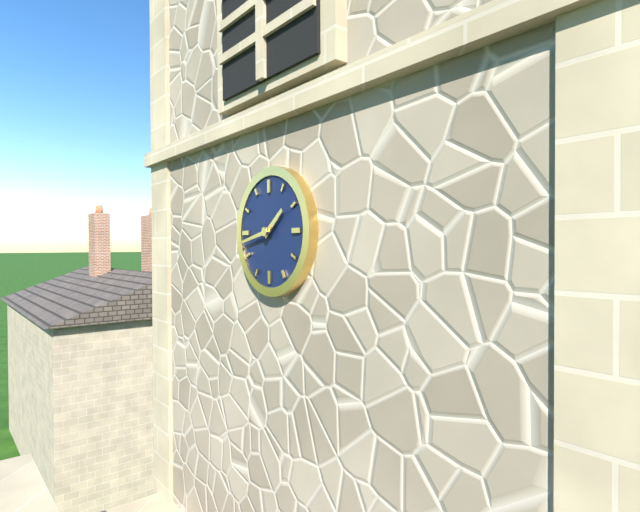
1:43
